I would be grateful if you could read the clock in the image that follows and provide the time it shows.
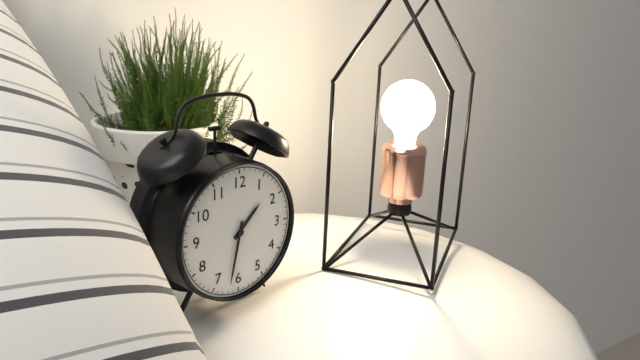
1:32
